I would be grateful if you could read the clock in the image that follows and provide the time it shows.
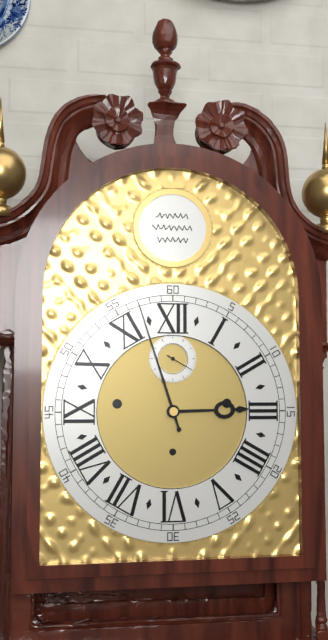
2:57
